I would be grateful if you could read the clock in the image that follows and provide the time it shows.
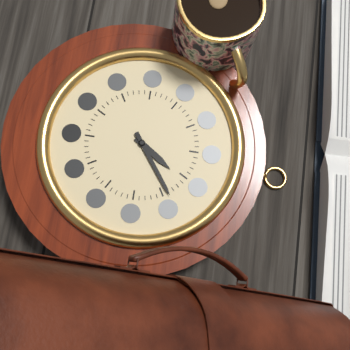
1:09
